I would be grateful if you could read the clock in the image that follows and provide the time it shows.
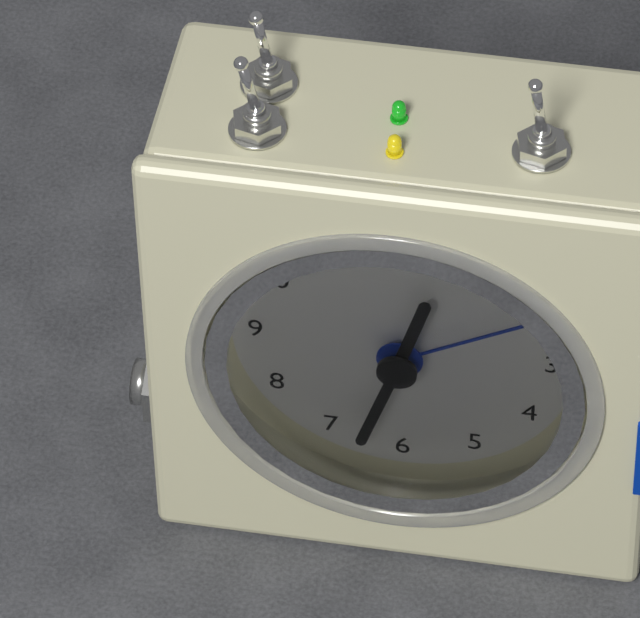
12:33:10
